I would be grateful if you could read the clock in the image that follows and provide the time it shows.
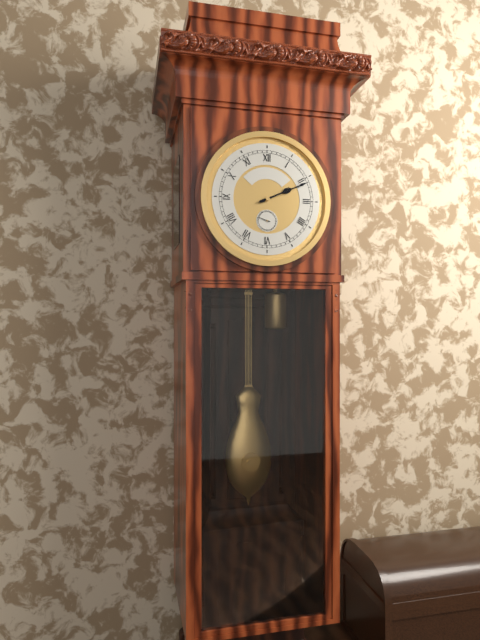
2:11
